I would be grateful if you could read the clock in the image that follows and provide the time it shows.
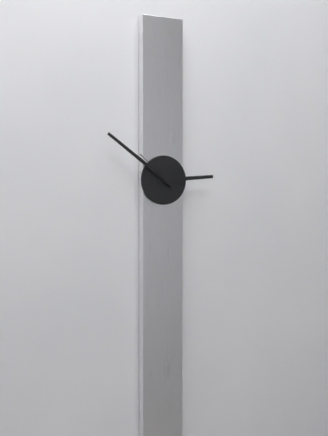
2:51
